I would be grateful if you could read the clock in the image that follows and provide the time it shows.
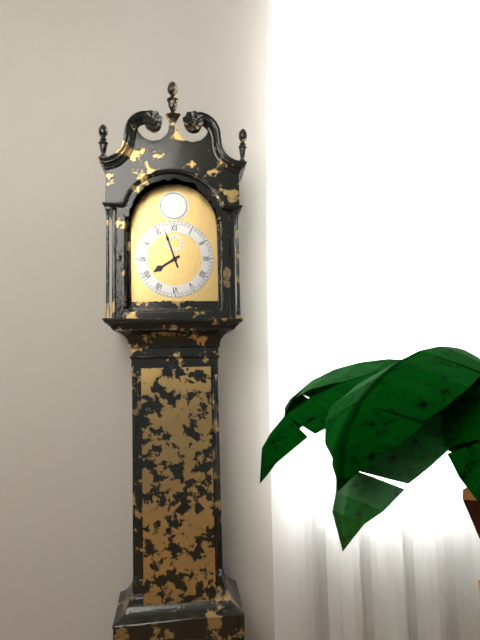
7:57
